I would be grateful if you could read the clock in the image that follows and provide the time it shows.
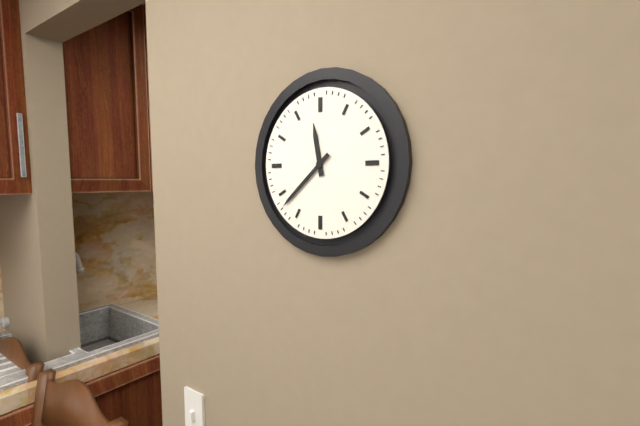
11:38
